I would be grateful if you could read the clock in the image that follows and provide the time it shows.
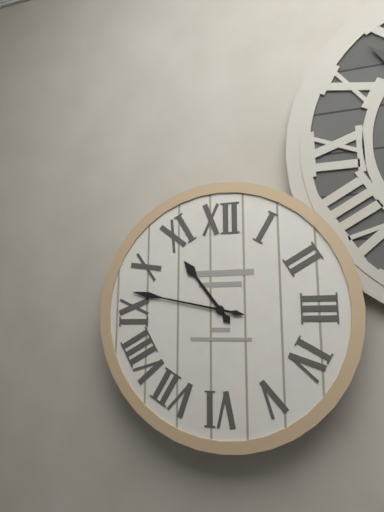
10:47
